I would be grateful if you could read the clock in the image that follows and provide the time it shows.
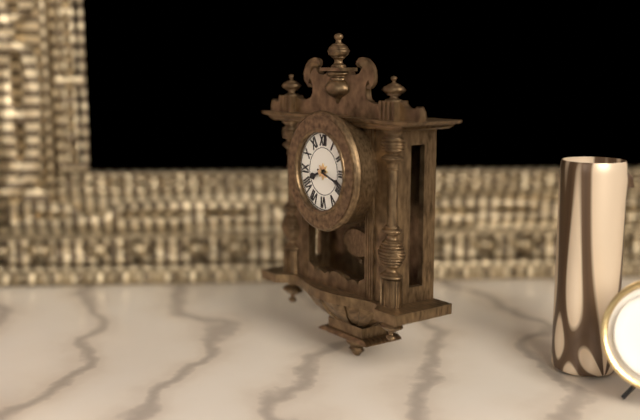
8:18
